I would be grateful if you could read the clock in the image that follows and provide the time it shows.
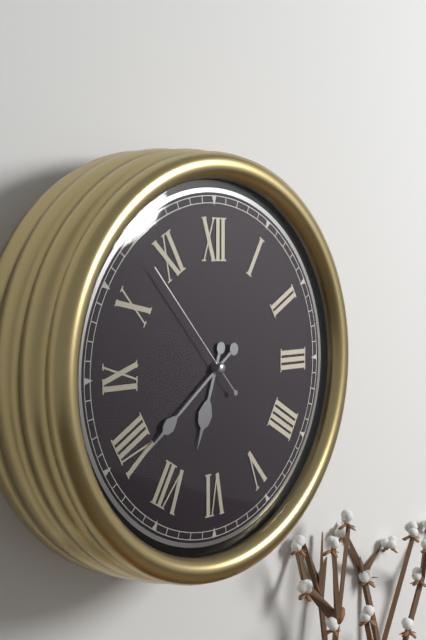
6:39:53
